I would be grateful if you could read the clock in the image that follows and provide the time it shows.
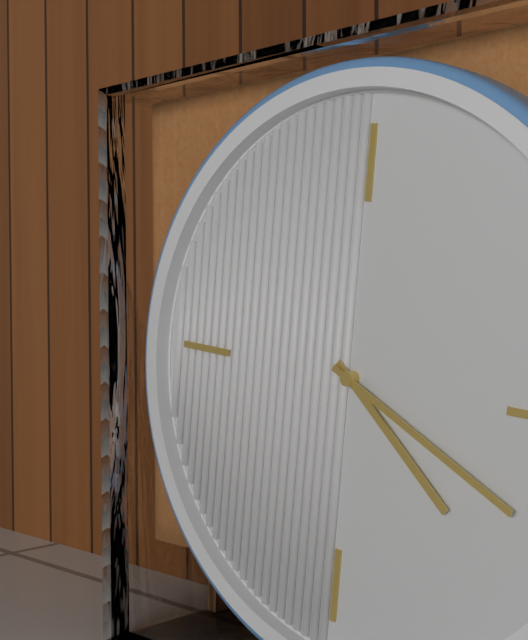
4:19
